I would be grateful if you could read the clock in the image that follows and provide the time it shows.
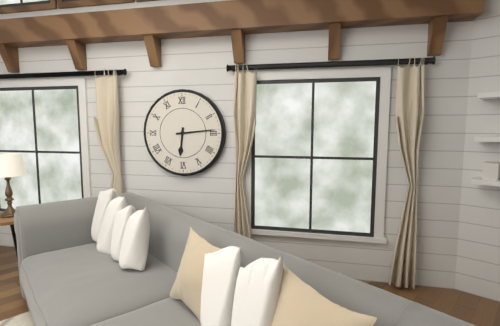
6:14
